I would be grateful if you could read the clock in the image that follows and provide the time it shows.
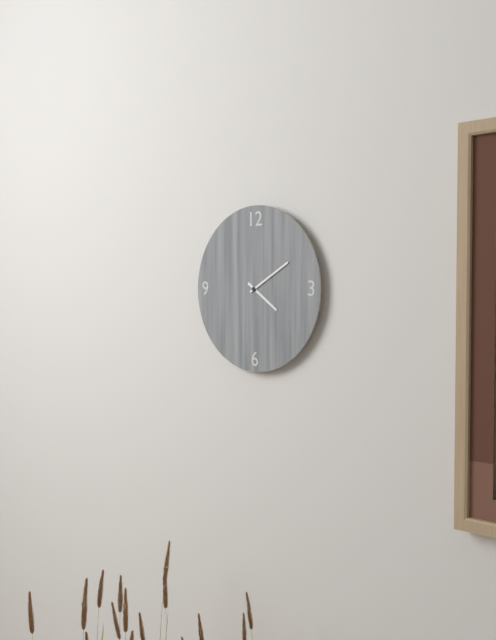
4:10
